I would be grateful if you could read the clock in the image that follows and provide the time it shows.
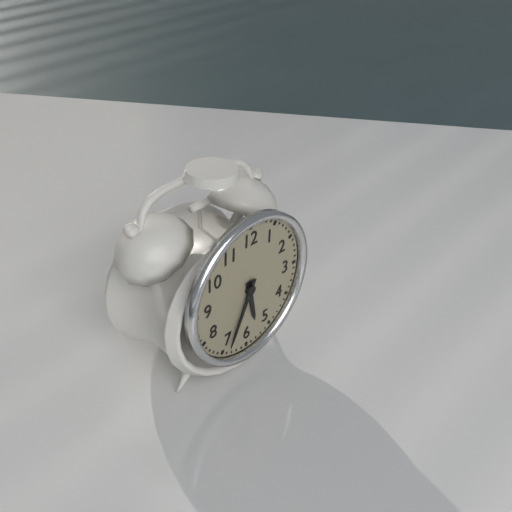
5:34
